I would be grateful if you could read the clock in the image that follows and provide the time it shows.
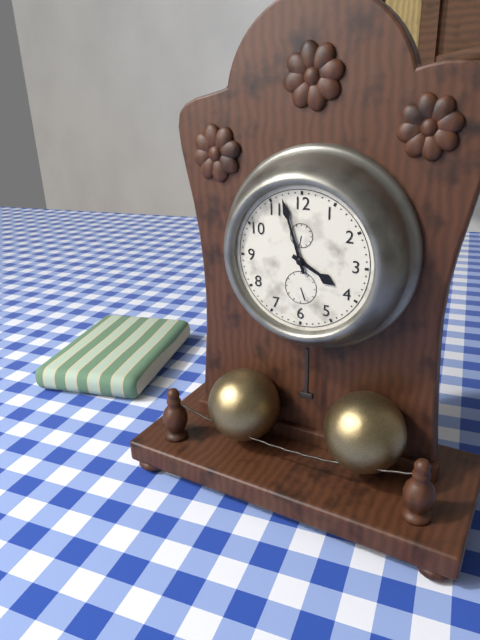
3:57
